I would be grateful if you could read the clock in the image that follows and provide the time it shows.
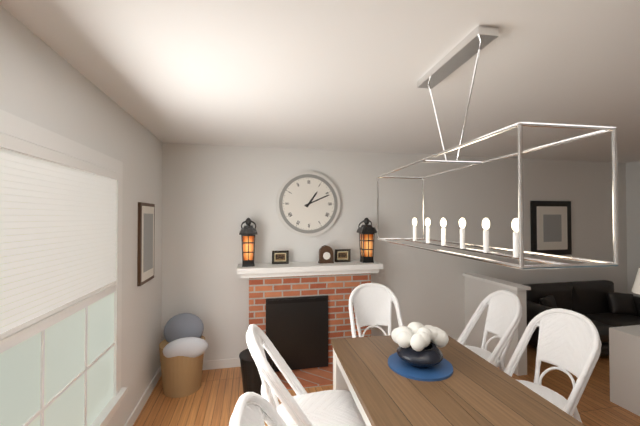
1:11
